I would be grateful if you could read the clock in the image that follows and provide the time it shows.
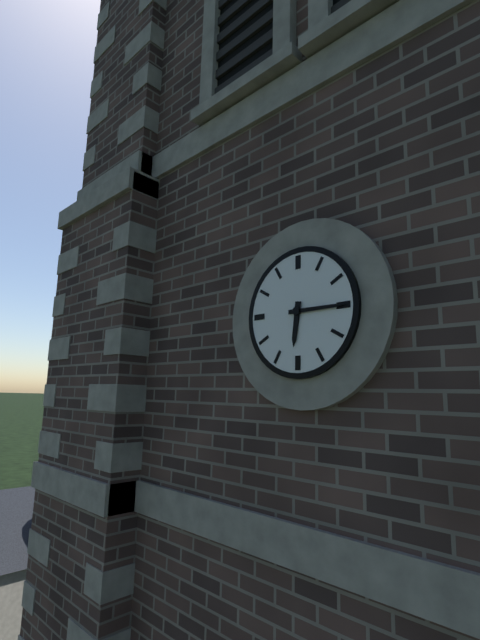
6:15
